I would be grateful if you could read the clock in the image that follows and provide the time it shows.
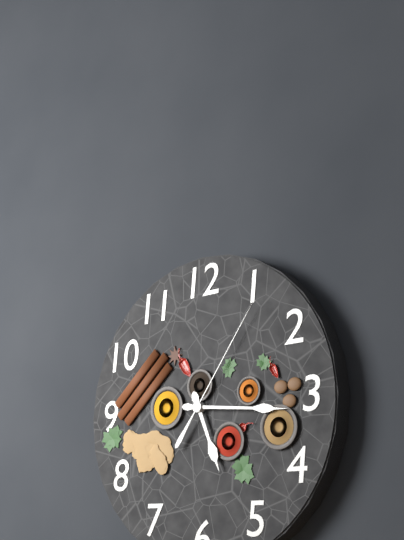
5:16:06
